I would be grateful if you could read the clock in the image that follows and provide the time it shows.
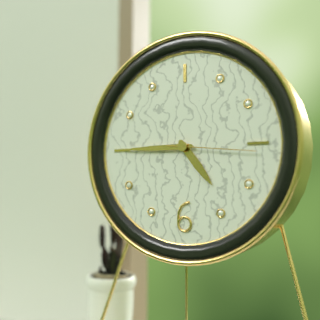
4:45:16
